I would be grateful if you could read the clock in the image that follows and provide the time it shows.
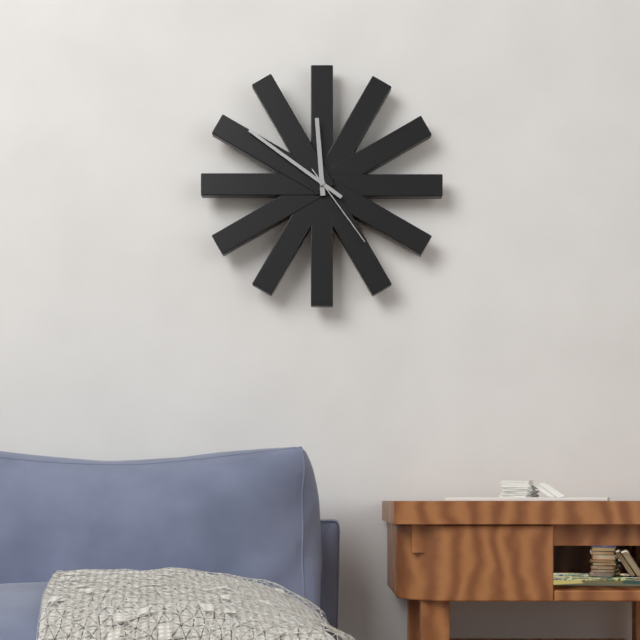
11:51:24
